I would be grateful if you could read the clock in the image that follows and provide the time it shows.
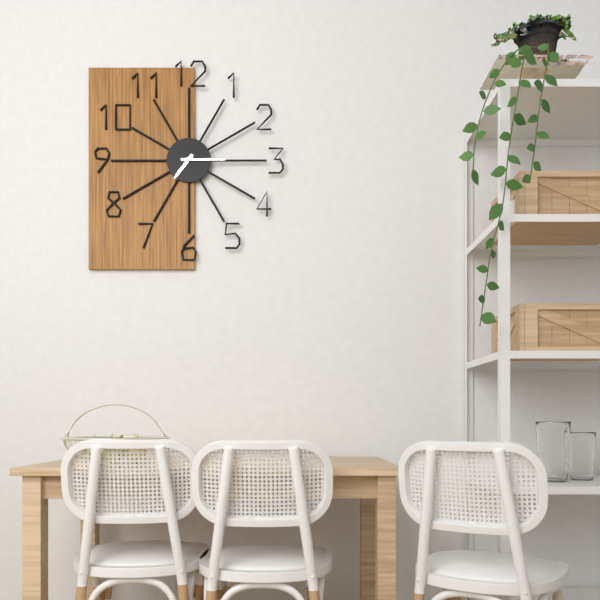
7:15
